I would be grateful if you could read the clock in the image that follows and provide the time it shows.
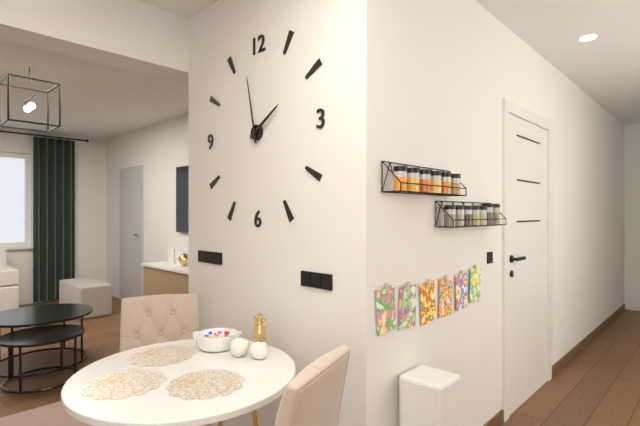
1:58
